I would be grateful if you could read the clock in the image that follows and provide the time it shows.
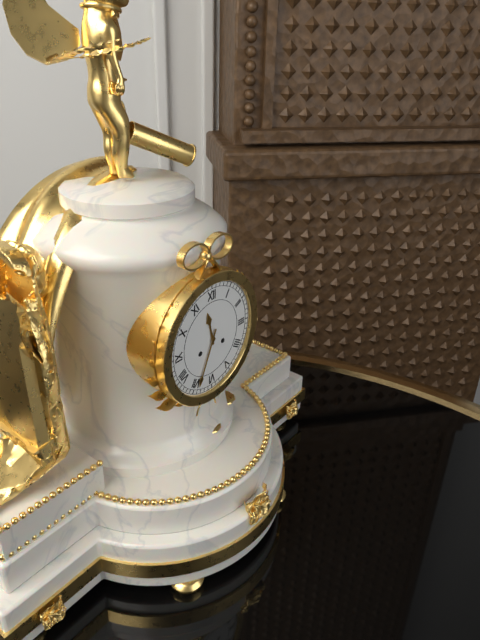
11:34
